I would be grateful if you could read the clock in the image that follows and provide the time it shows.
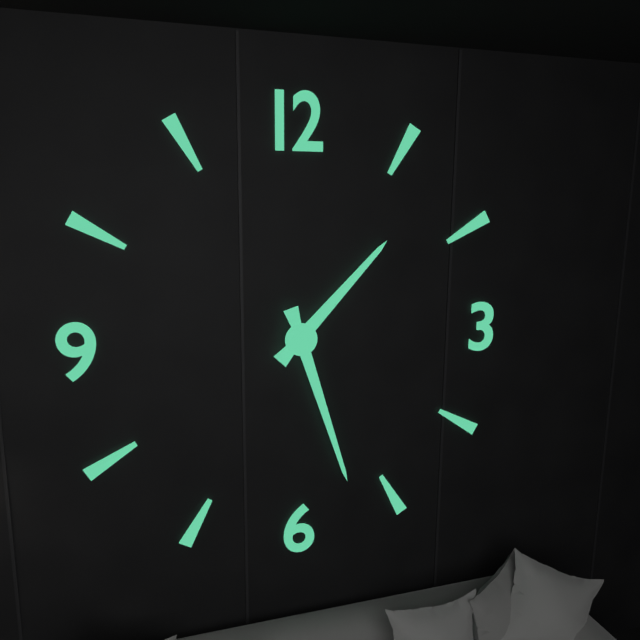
1:27
